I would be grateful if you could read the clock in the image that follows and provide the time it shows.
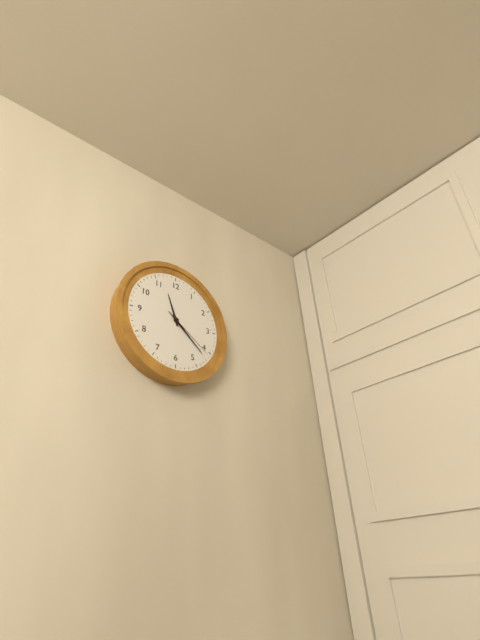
11:22:21
